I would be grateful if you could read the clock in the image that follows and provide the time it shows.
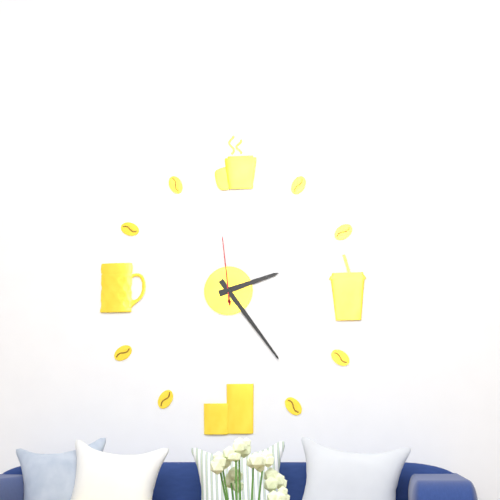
2:24:59
